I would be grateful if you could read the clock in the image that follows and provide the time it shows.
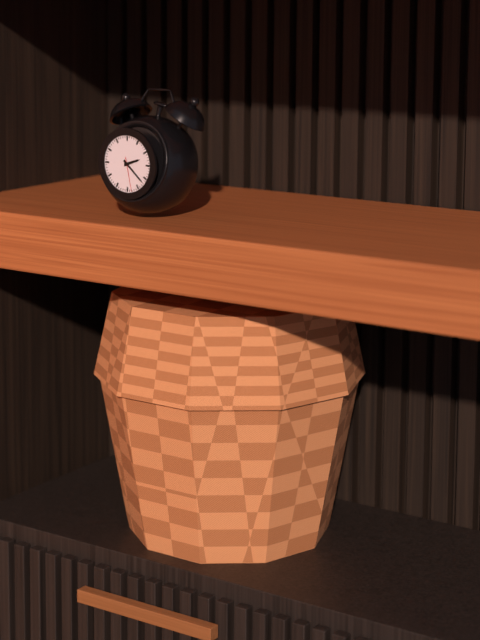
2:22
